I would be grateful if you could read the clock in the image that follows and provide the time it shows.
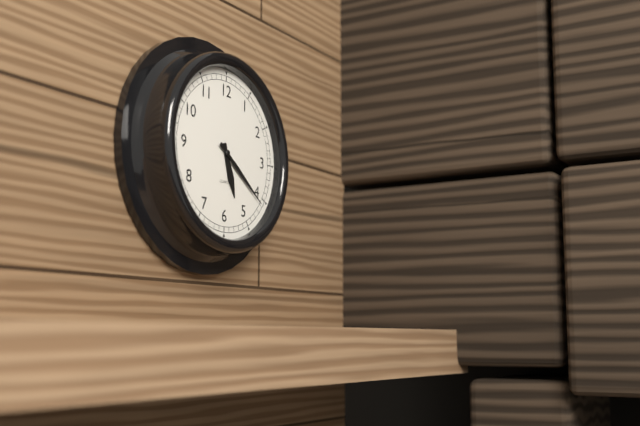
5:21
